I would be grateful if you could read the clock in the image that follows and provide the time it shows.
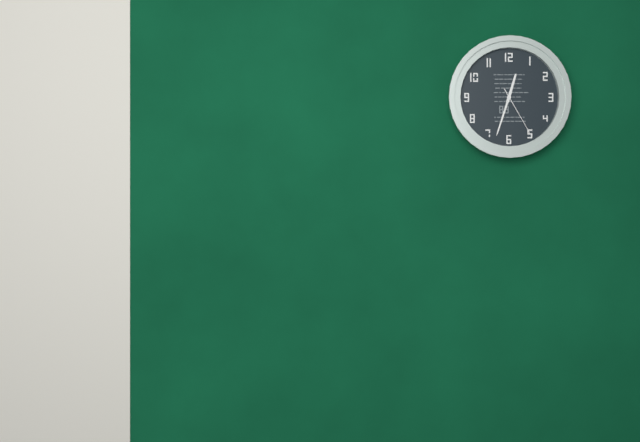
12:33:25
